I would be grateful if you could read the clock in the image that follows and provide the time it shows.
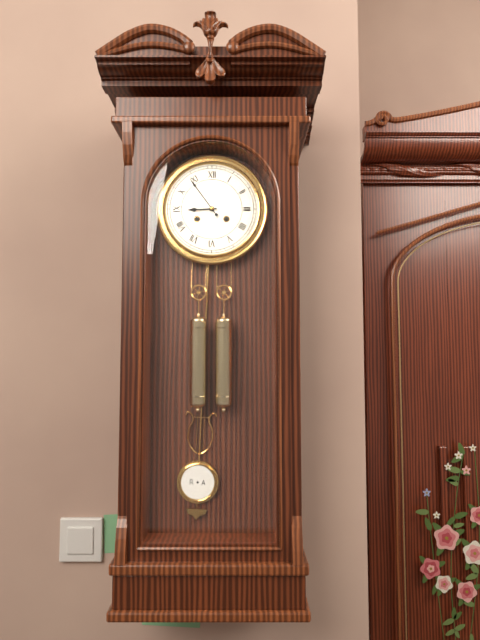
8:54
